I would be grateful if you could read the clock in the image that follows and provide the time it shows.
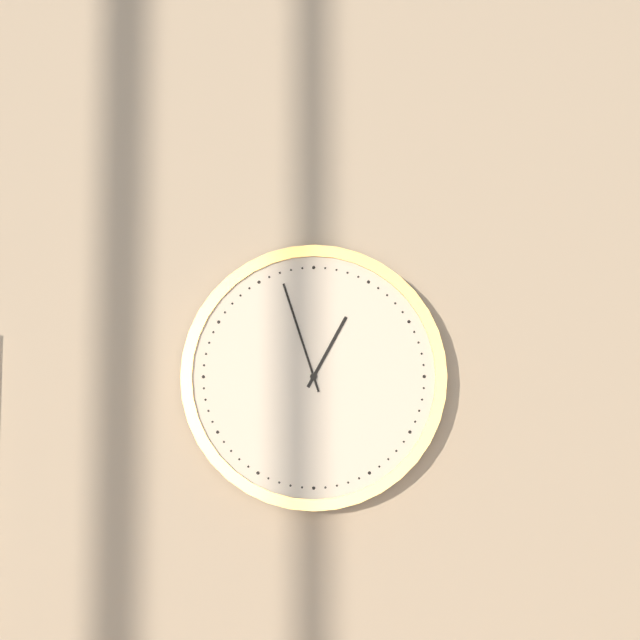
12:57
